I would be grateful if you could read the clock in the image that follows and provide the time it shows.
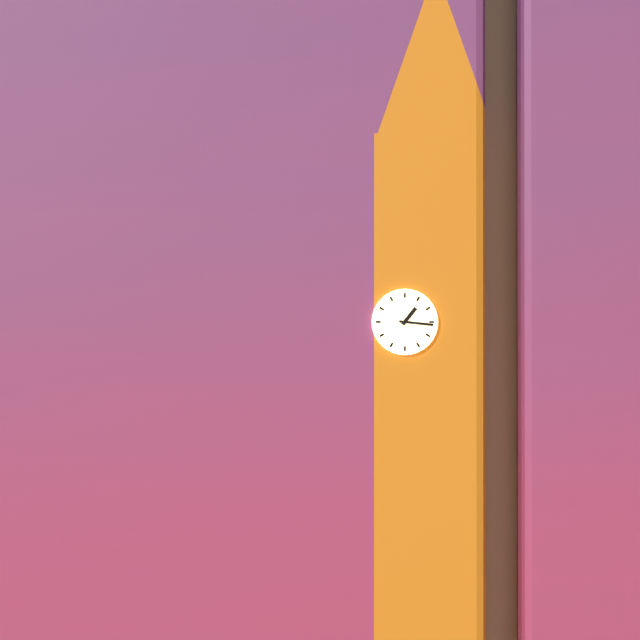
1:16
